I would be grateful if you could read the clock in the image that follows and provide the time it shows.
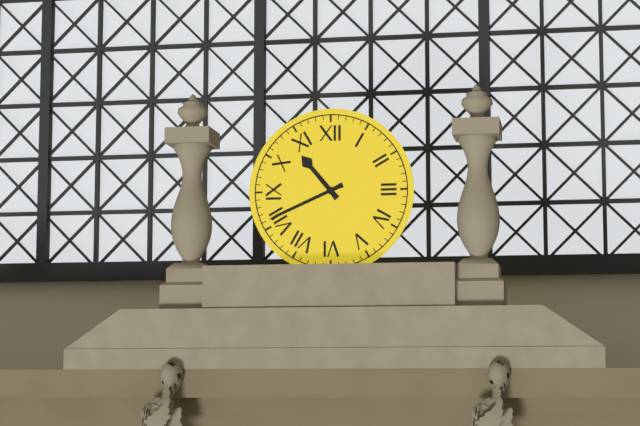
10:41
